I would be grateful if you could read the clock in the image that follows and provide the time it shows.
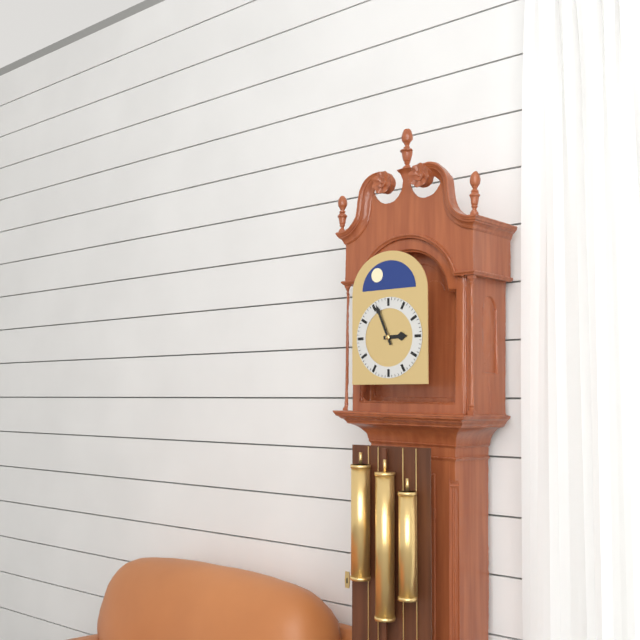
2:56
